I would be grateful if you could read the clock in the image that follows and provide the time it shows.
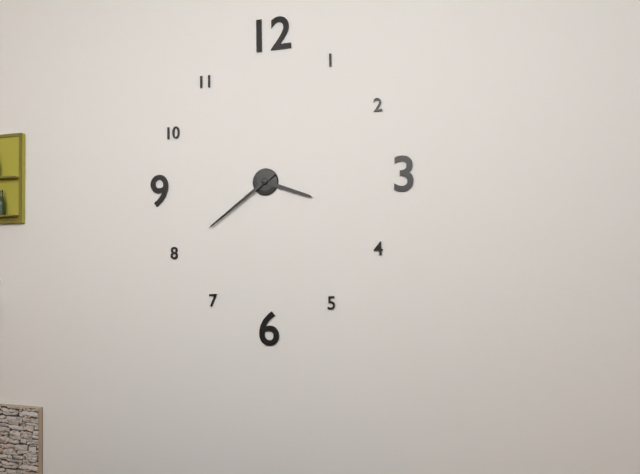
3:39
